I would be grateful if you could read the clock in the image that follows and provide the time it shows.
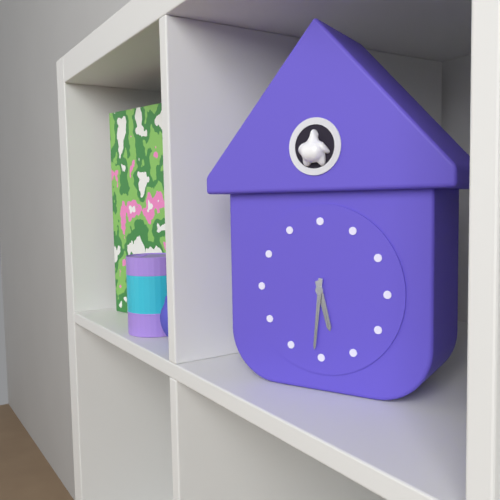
5:31
